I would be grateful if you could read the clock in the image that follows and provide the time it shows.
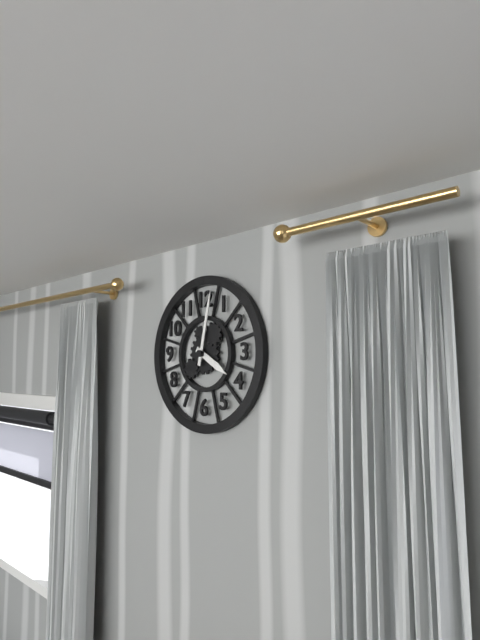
4:02
